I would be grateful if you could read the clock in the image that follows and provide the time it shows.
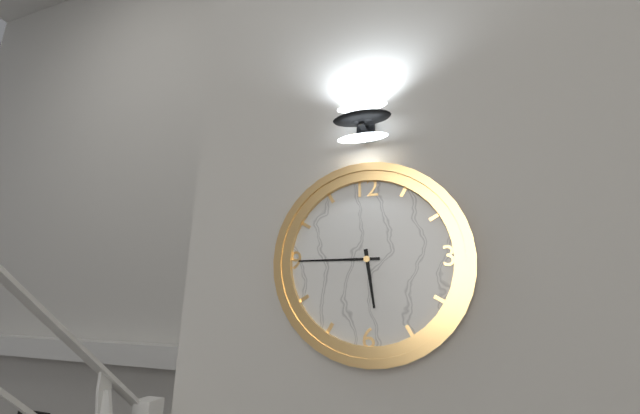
5:45
